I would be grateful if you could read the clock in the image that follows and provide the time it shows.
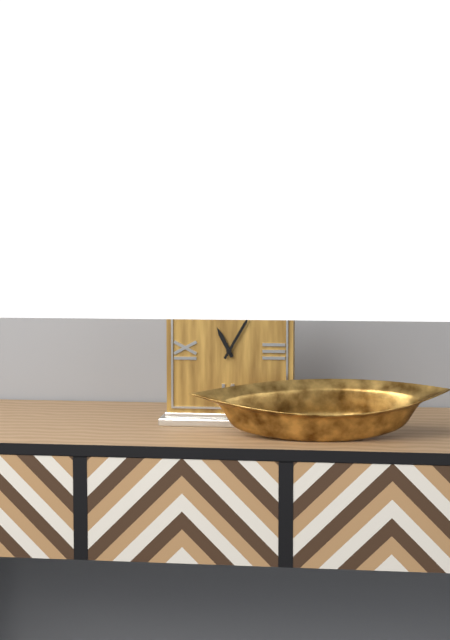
11:05
